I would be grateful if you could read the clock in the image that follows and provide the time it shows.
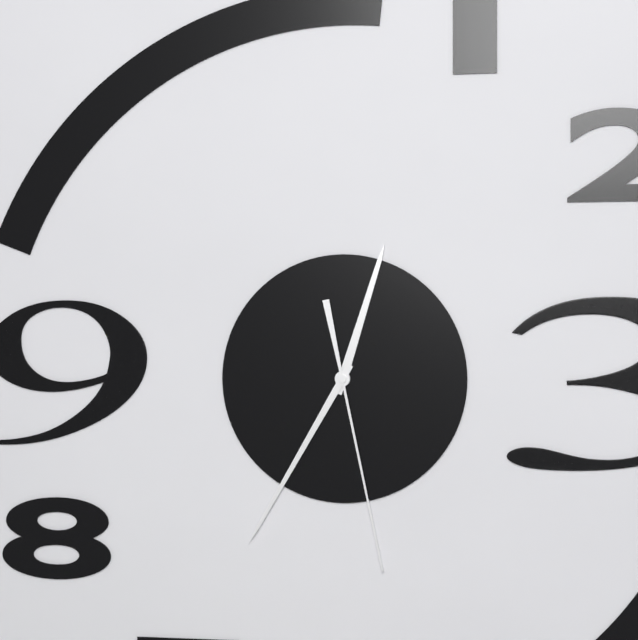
12:35:28
